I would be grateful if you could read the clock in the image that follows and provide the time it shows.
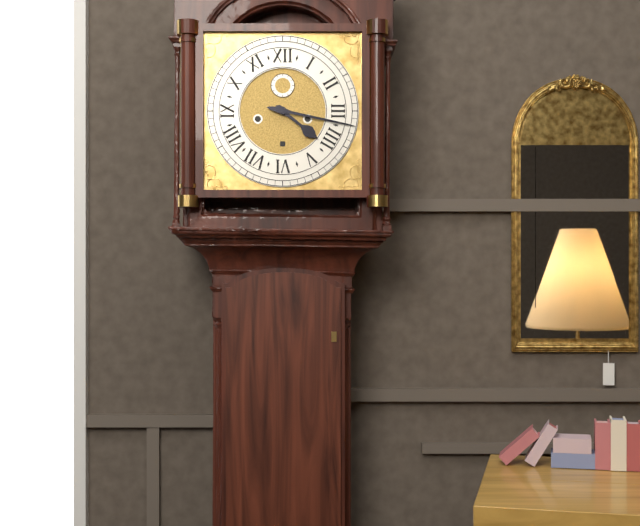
4:17
